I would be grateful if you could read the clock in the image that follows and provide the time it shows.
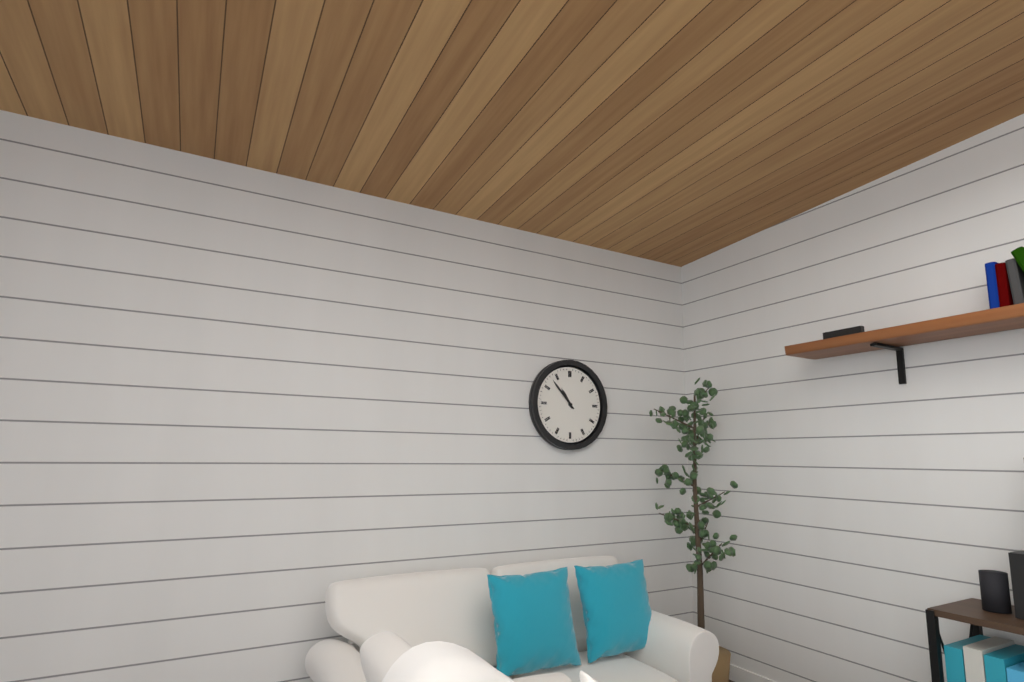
10:53
